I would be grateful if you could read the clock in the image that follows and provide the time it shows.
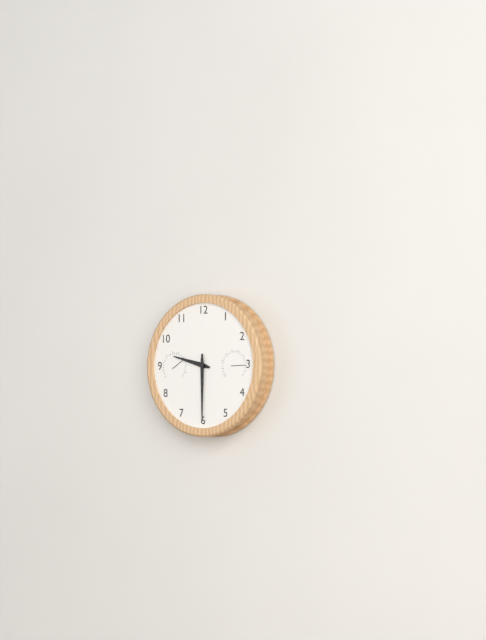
9:30
